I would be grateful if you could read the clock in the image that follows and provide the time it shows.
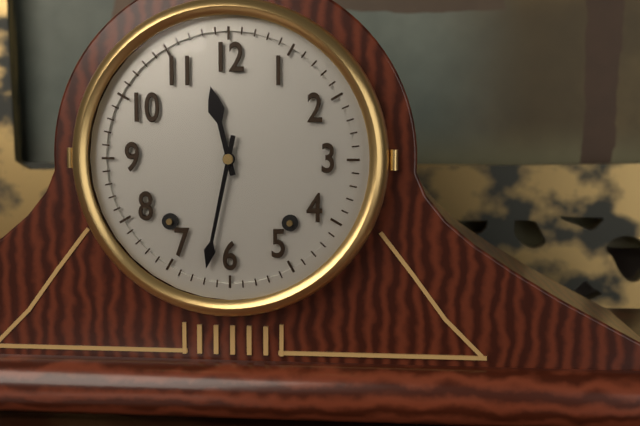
11:32
